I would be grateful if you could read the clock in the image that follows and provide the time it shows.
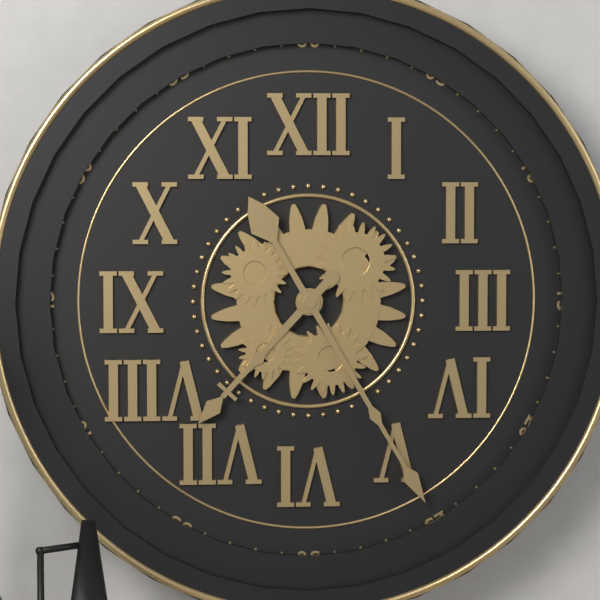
7:25
